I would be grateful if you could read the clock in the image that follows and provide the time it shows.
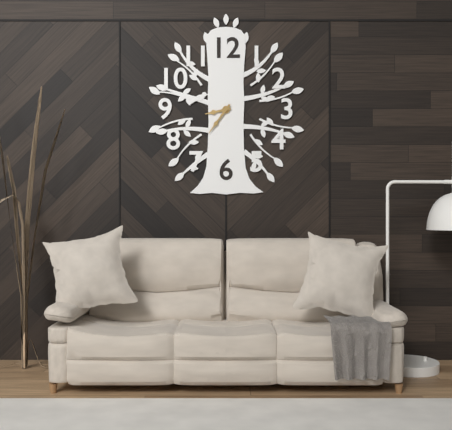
8:36
